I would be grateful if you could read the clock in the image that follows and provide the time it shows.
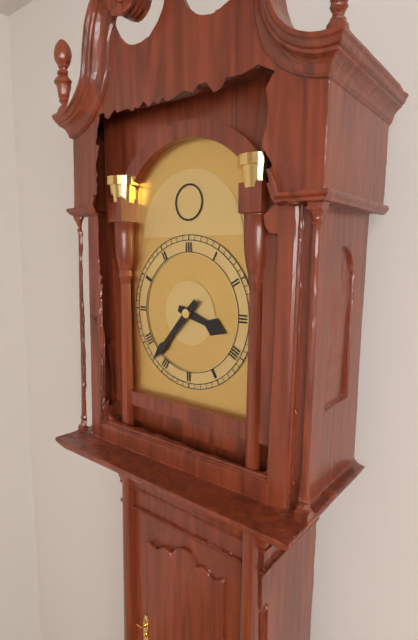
3:37
